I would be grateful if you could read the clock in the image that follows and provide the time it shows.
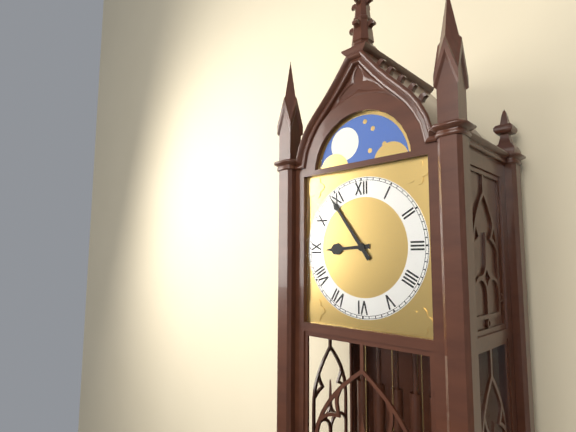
8:54
